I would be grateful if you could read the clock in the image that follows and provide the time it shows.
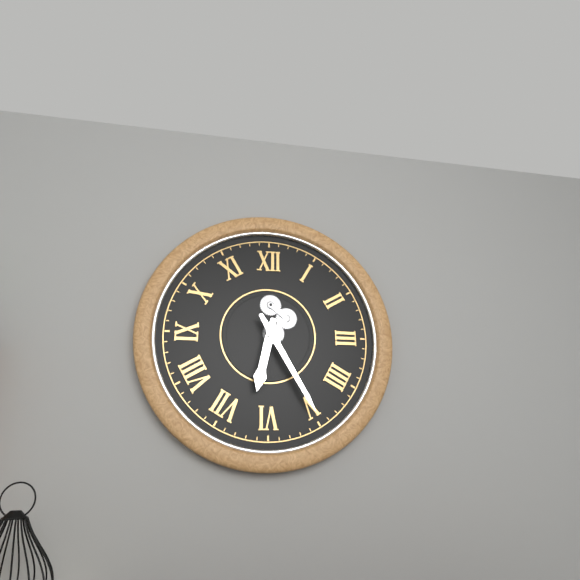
6:25
